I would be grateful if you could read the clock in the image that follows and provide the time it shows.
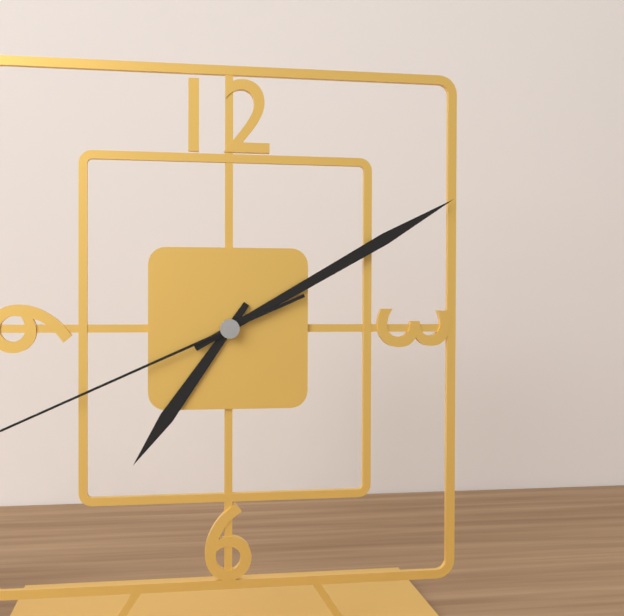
7:10
